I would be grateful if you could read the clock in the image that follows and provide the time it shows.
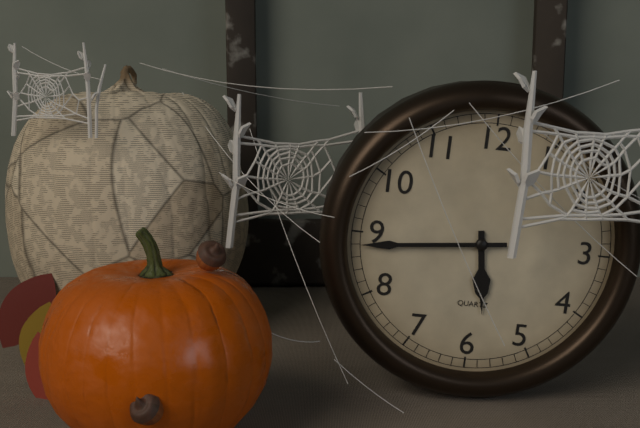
5:44
